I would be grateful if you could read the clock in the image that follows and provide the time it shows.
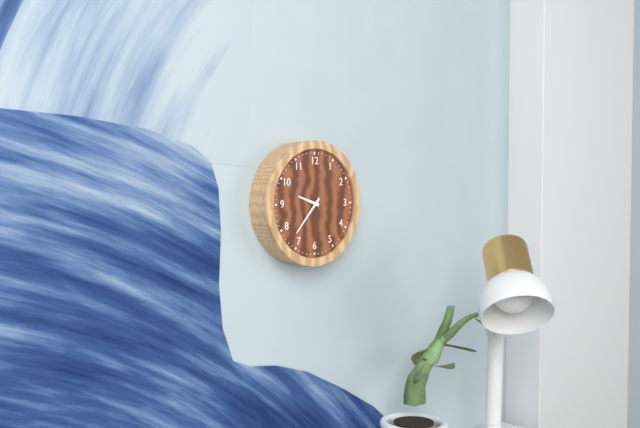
9:37
